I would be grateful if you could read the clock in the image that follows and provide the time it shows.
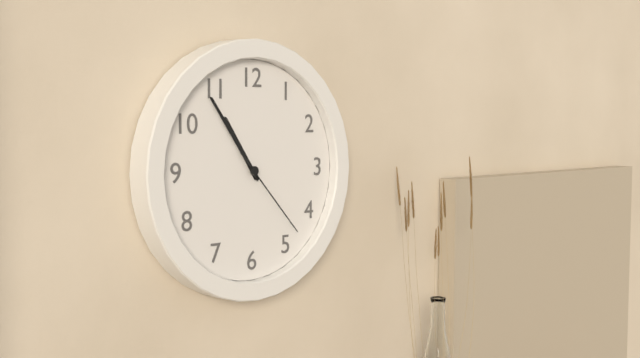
10:54:23
